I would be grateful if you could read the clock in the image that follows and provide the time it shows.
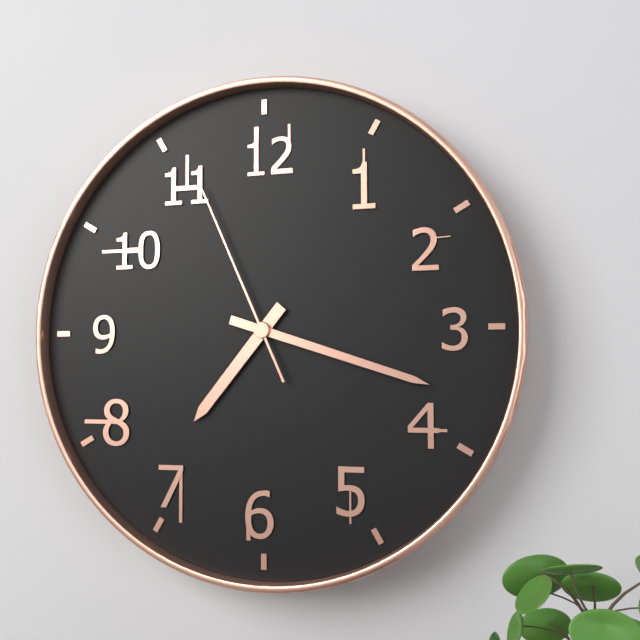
7:18:56
